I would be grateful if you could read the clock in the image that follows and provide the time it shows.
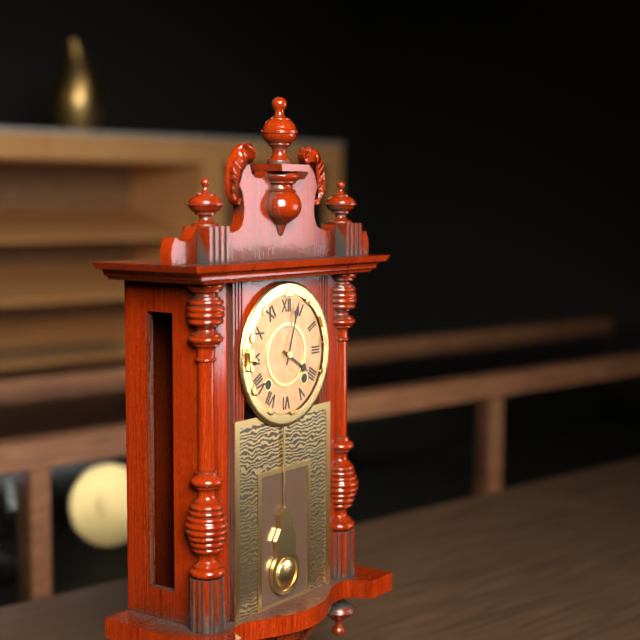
4:03
